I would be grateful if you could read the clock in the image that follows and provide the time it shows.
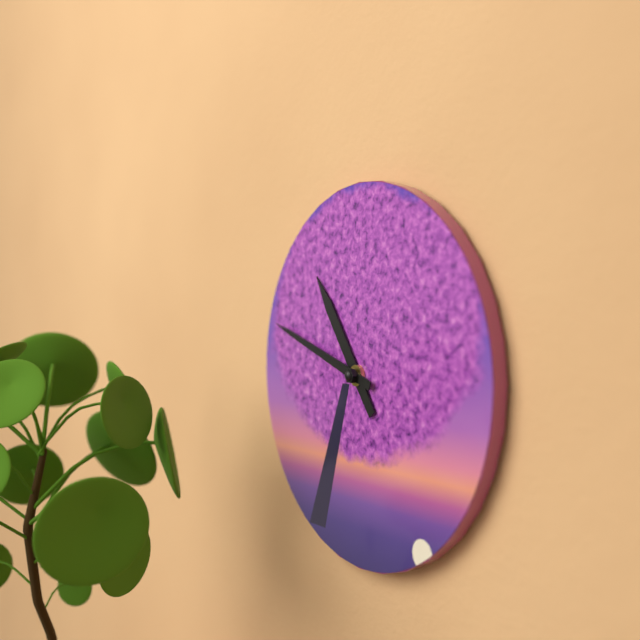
10:48
